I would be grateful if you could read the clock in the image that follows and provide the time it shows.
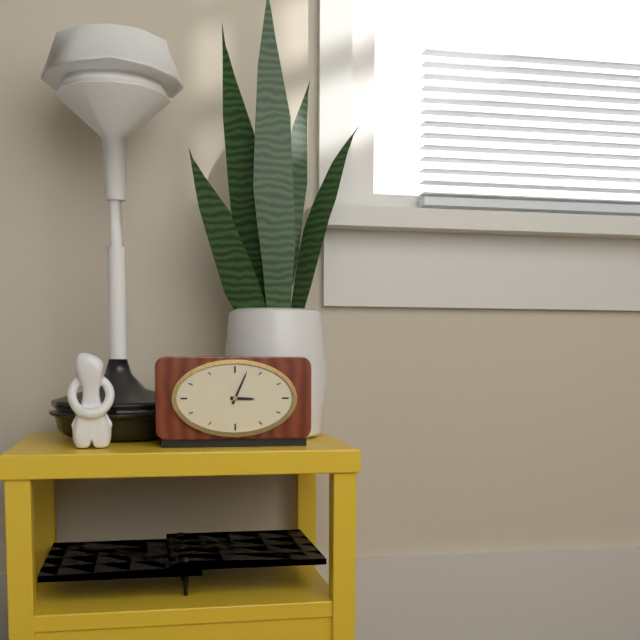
3:04
